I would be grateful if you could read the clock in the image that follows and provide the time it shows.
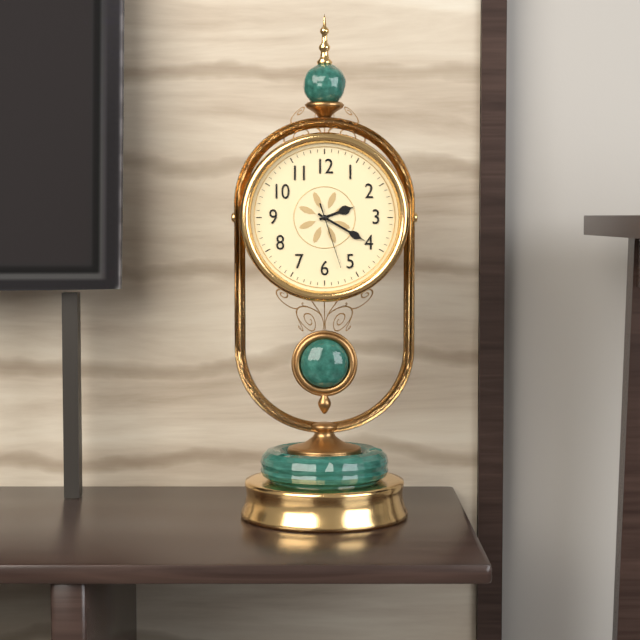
2:20:27
